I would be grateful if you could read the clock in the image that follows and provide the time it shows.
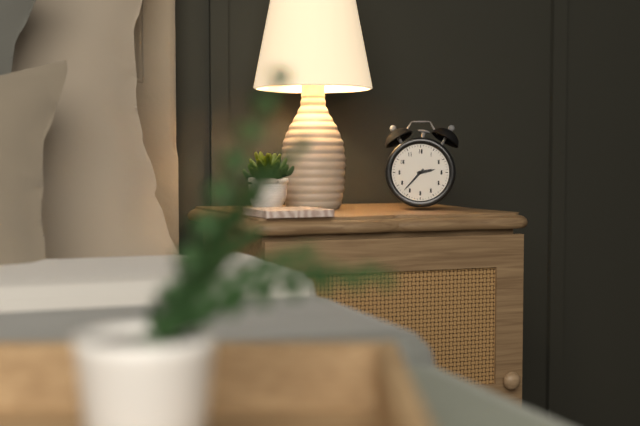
2:37
